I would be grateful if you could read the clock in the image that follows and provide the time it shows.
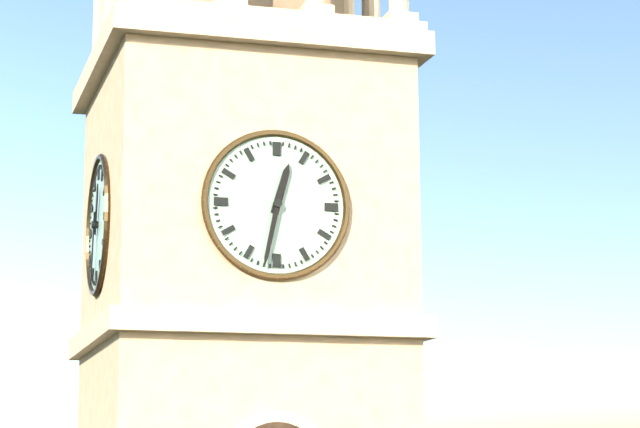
12:32
